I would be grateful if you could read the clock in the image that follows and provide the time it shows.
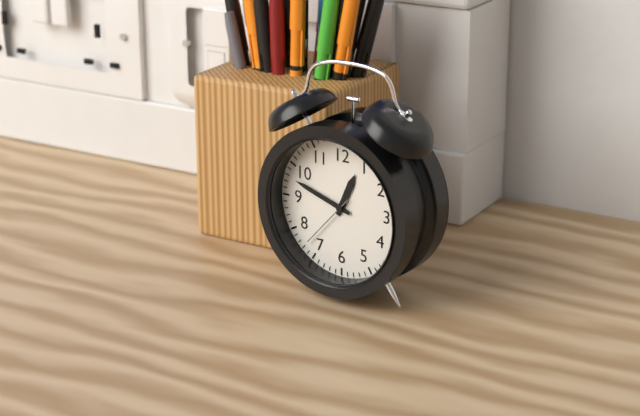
12:48:37
